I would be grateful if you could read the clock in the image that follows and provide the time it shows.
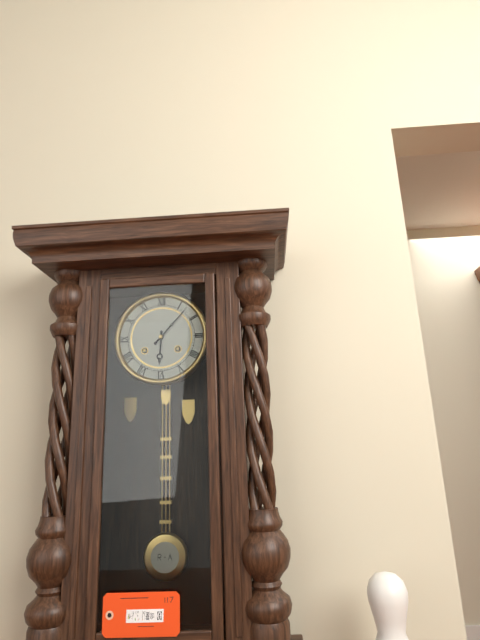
6:07
